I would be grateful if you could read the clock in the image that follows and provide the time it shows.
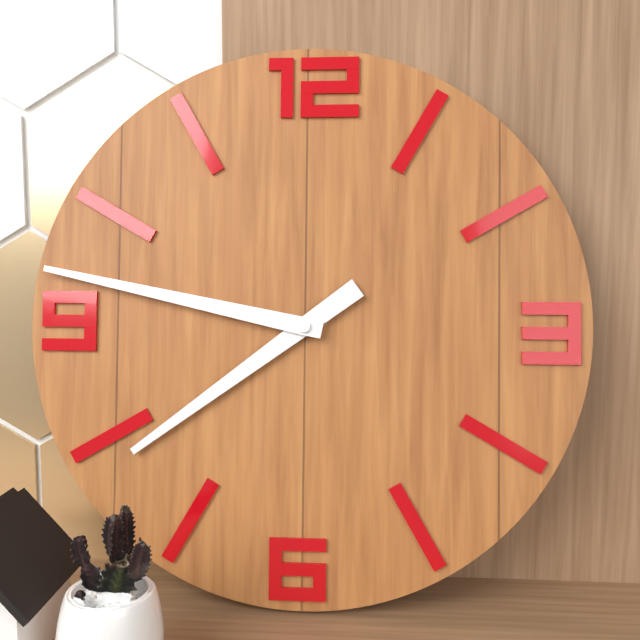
7:47
